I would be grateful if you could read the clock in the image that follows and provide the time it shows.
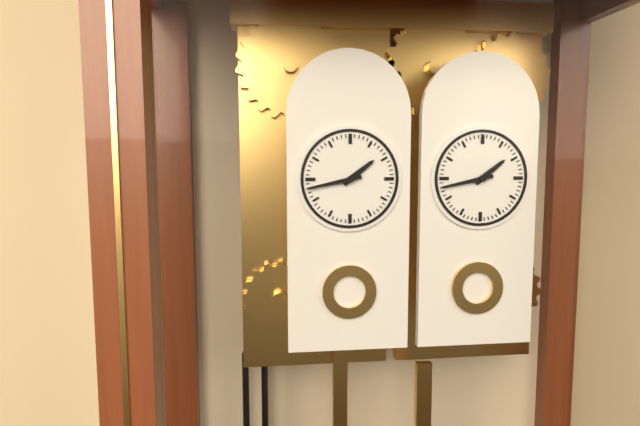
1:43
